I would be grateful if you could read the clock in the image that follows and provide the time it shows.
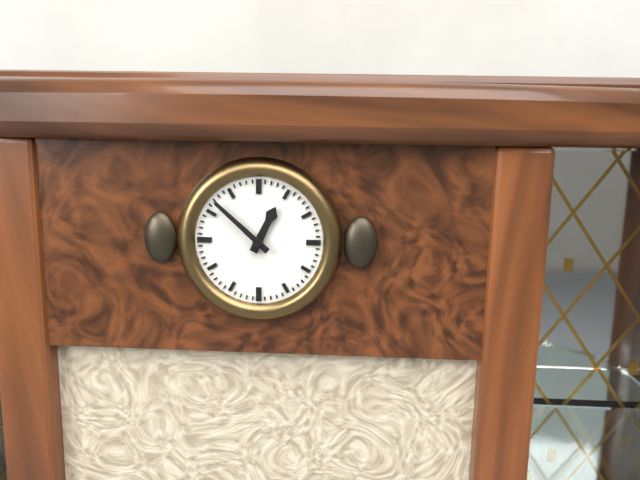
12:52
